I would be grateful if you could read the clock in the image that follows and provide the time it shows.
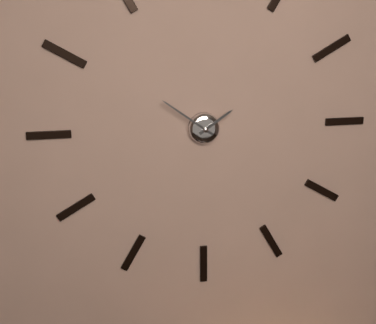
1:51
